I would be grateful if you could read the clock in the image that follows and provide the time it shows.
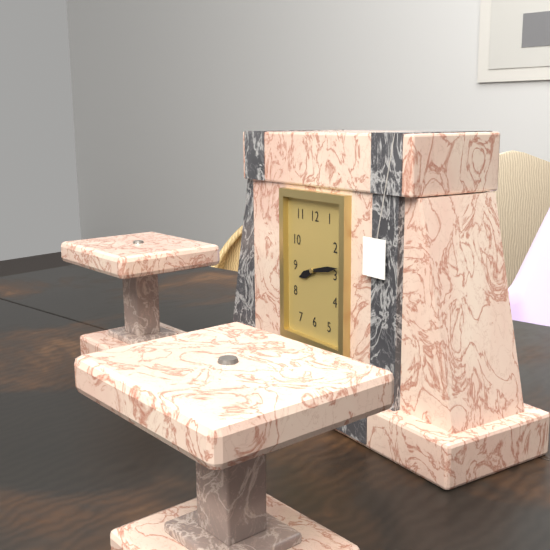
8:13
